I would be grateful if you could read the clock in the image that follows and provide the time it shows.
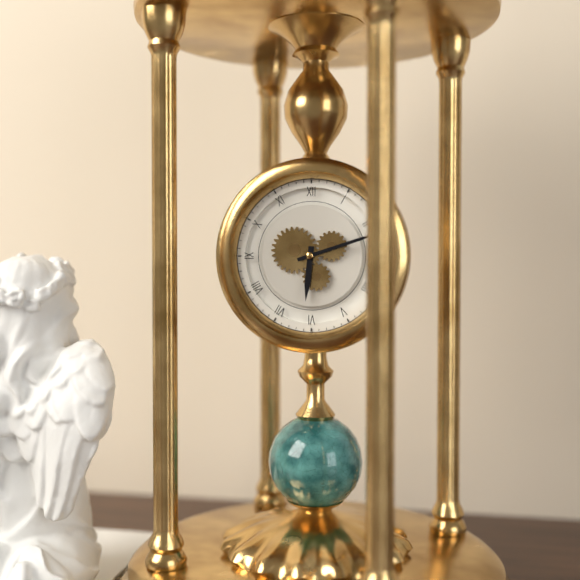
6:12
